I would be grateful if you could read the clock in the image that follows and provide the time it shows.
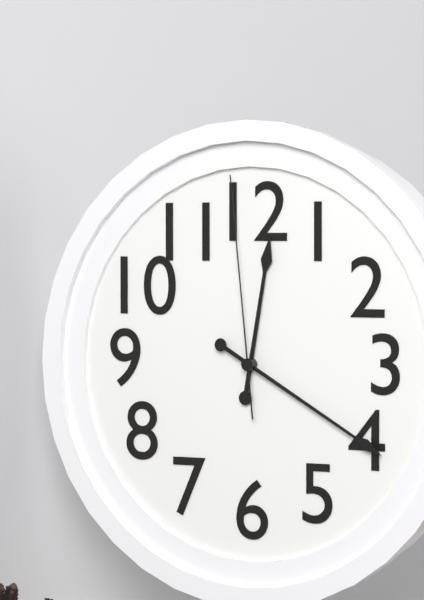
12:20:59
